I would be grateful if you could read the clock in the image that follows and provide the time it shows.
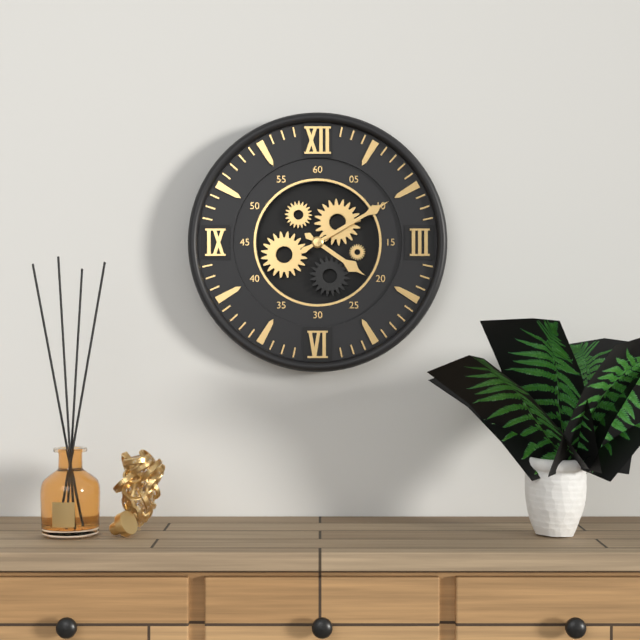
4:10
